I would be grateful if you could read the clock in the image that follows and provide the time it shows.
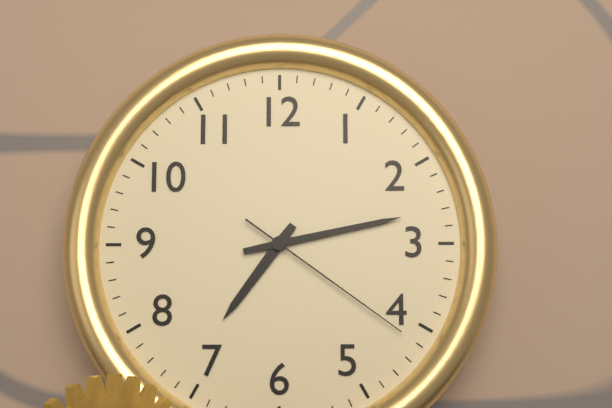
7:13:21
